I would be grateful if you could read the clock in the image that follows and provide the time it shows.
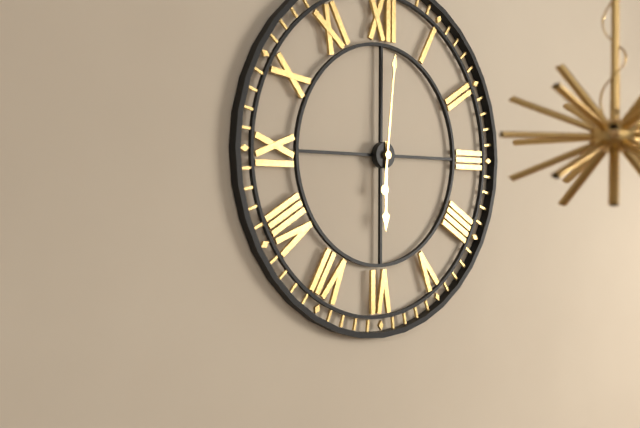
6:01
